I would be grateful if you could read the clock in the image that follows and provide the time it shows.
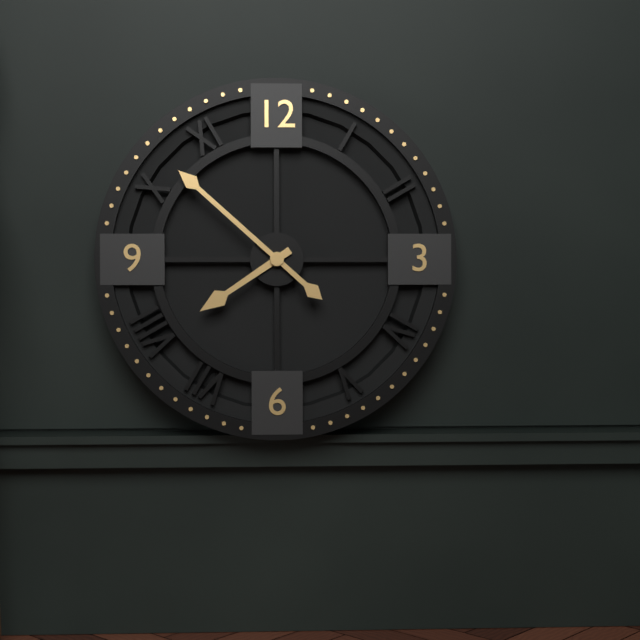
7:52
